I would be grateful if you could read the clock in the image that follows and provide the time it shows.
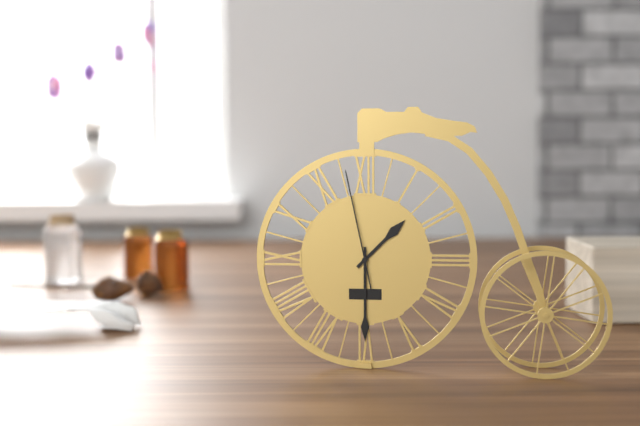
1:30:58
